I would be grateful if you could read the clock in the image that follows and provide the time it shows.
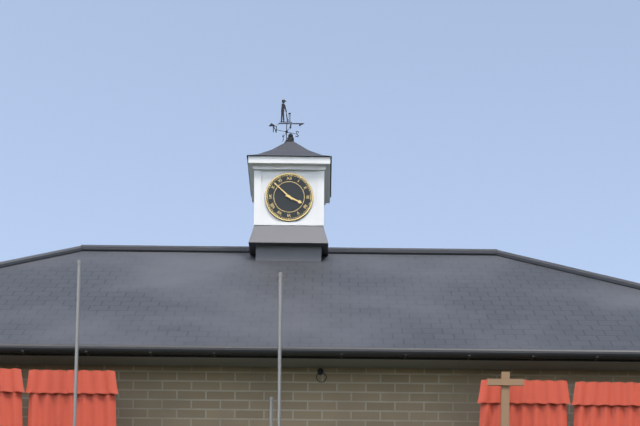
3:52
